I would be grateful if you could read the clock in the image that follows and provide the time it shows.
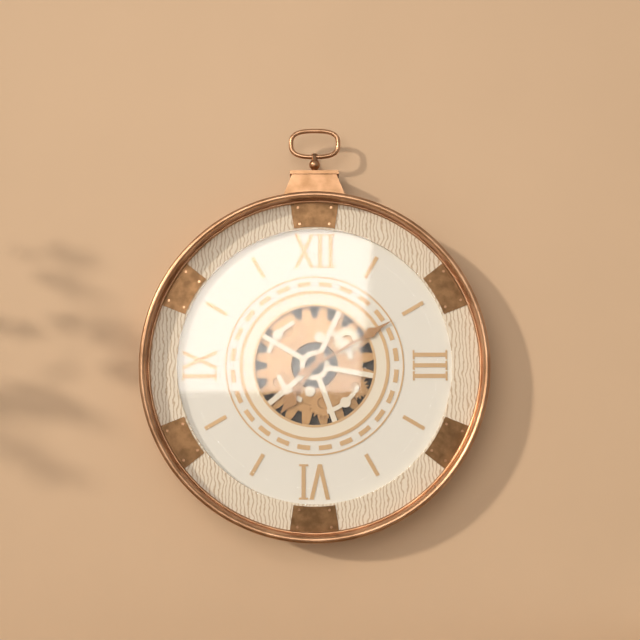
7:10
